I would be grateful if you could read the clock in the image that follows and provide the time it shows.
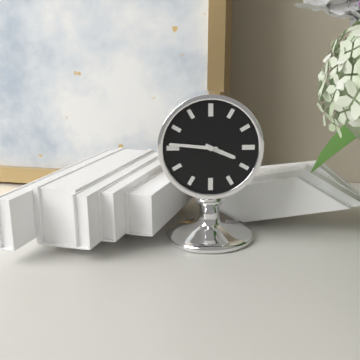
3:46
